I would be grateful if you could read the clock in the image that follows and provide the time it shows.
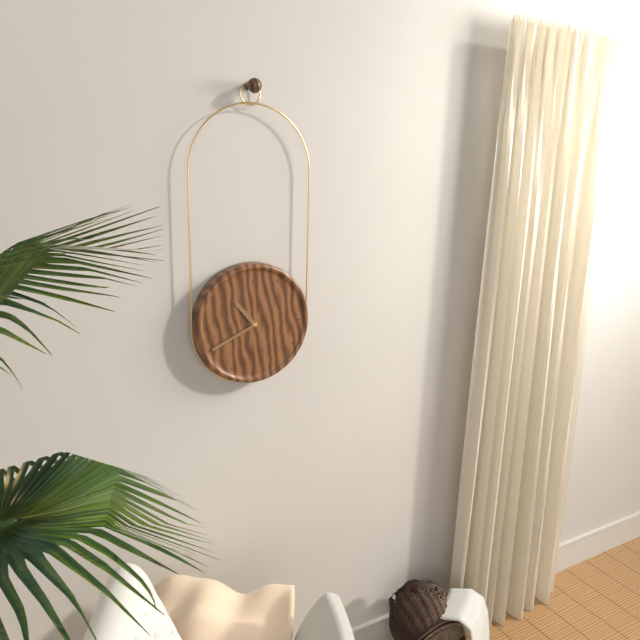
10:41
